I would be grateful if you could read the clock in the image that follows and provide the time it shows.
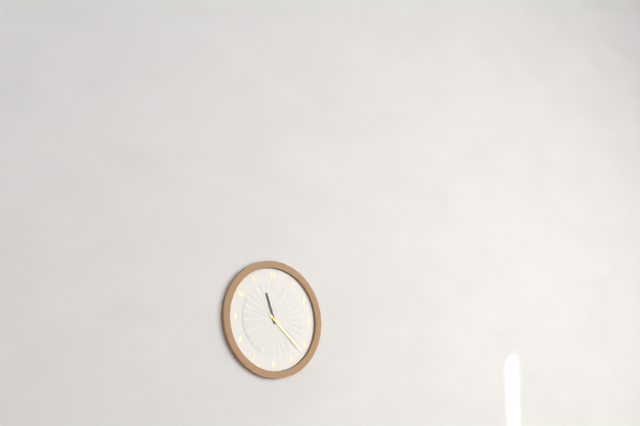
11:22
